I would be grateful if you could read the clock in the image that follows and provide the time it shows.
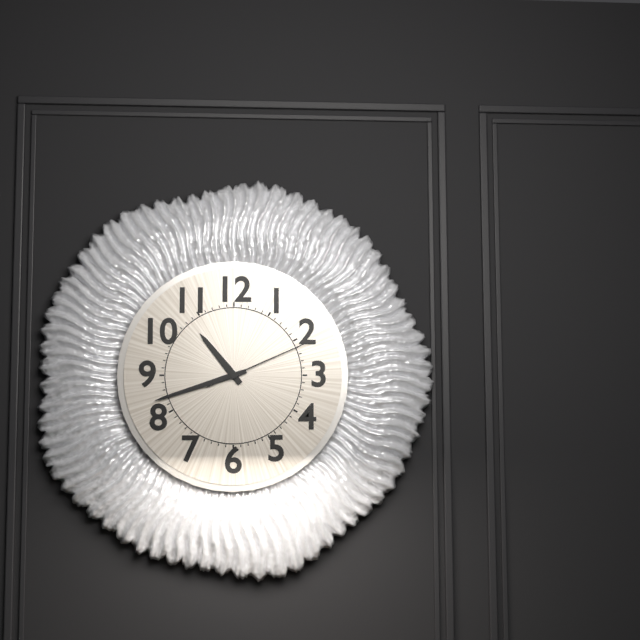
10:42:11
